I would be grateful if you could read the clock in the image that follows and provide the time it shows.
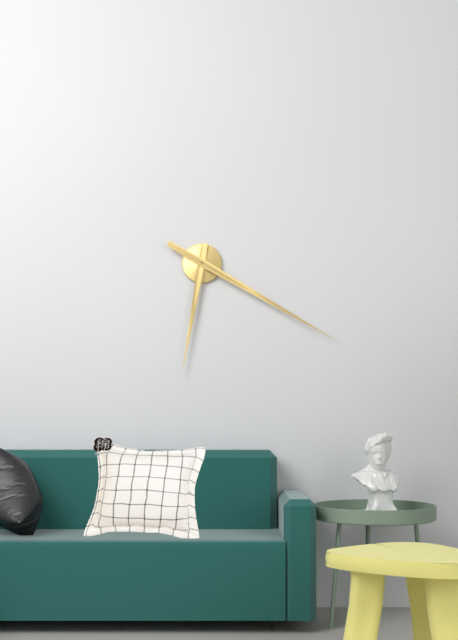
6:20
